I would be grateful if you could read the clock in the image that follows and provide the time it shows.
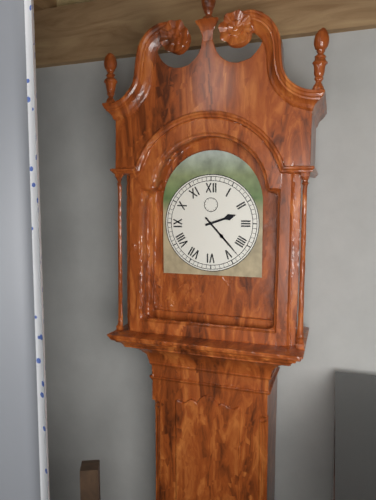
2:23
